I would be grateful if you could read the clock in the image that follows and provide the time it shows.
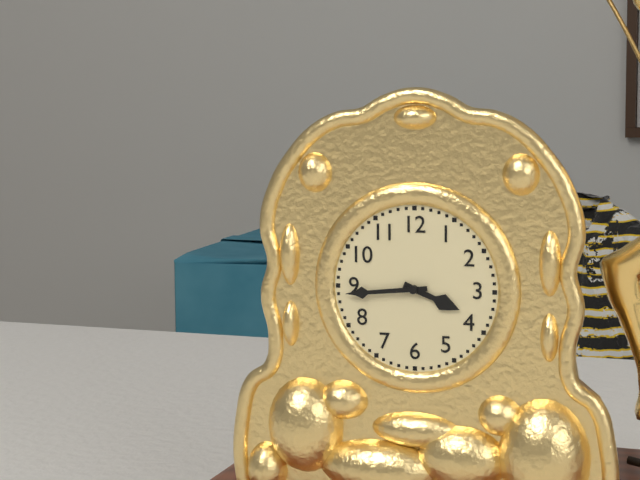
3:44
